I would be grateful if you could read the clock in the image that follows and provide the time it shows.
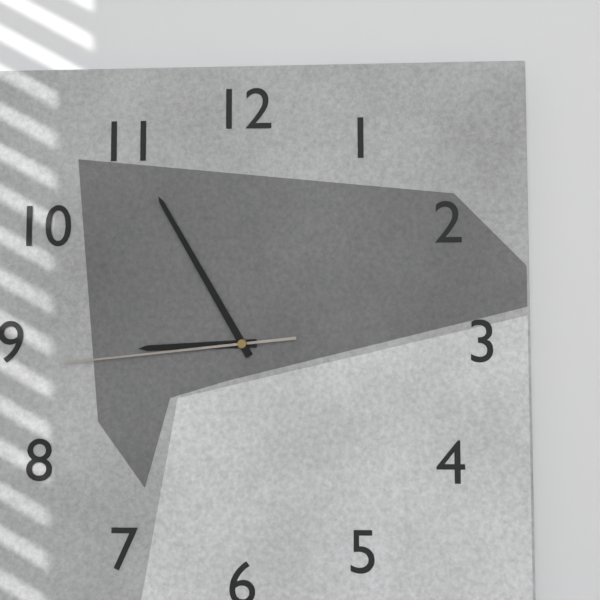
8:55:44
